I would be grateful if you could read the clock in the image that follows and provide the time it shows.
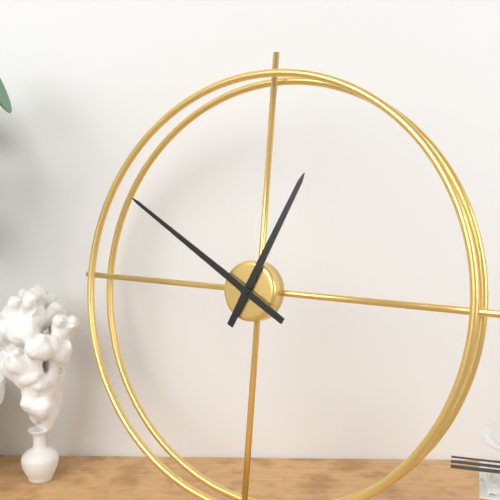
12:50
